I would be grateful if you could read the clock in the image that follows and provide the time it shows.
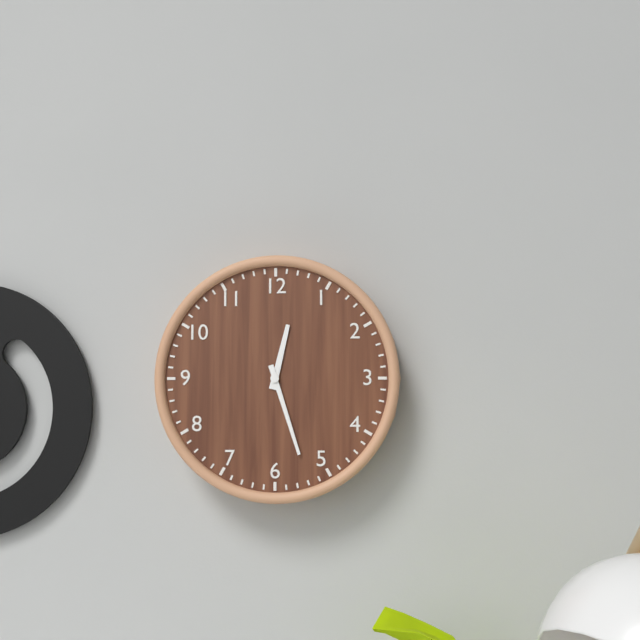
12:27
